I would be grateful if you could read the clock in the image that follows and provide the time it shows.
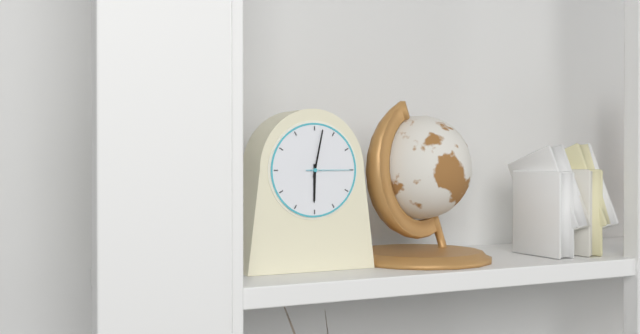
6:02
